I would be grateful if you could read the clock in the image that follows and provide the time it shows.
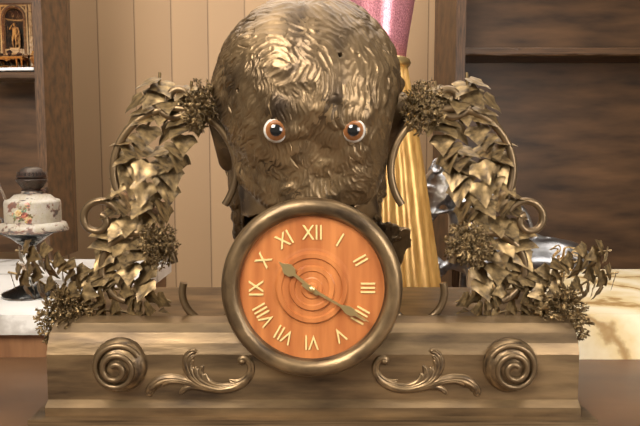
10:20
